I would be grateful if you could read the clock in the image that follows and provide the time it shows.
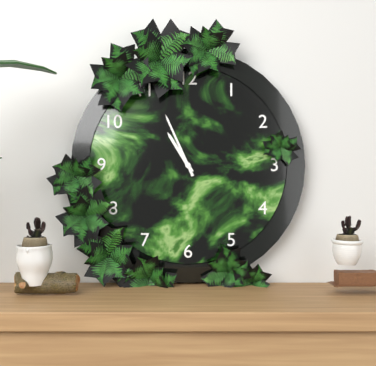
10:56
